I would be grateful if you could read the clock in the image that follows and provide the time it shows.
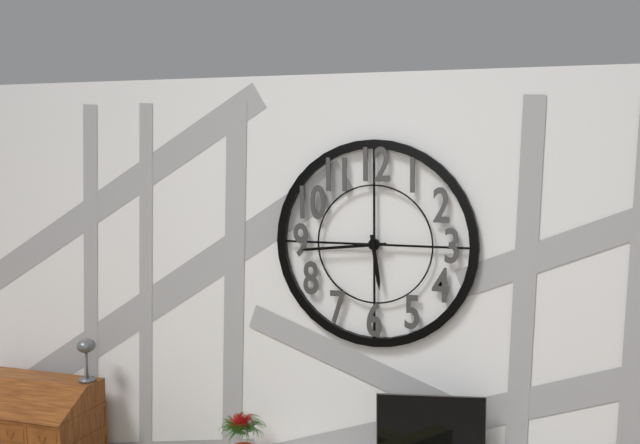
5:44
